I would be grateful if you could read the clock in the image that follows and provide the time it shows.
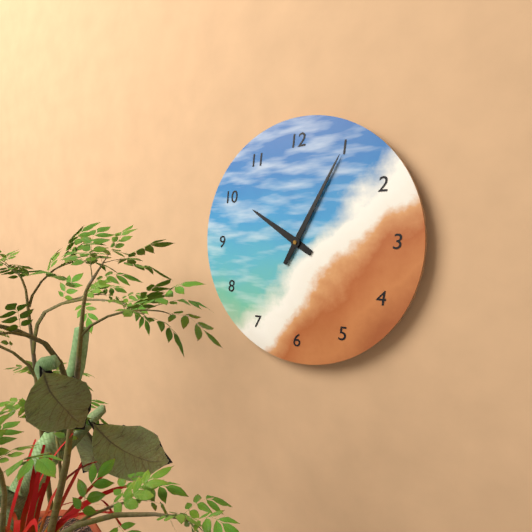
10:05
